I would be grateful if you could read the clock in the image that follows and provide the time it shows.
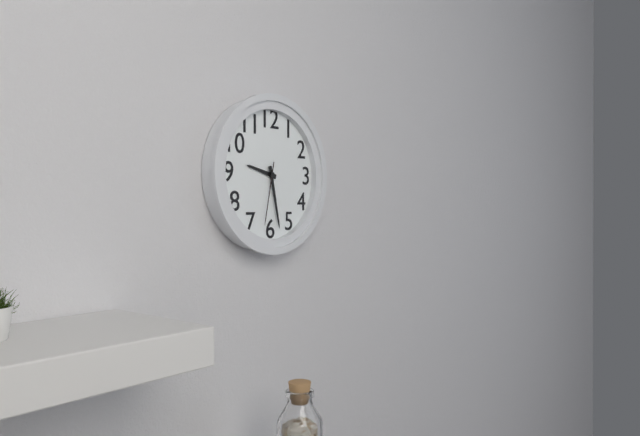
9:28:32
